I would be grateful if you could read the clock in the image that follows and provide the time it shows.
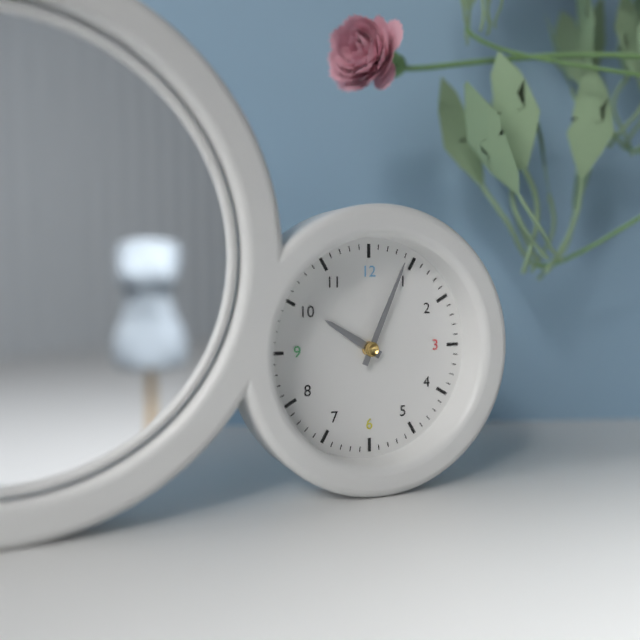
10:04
